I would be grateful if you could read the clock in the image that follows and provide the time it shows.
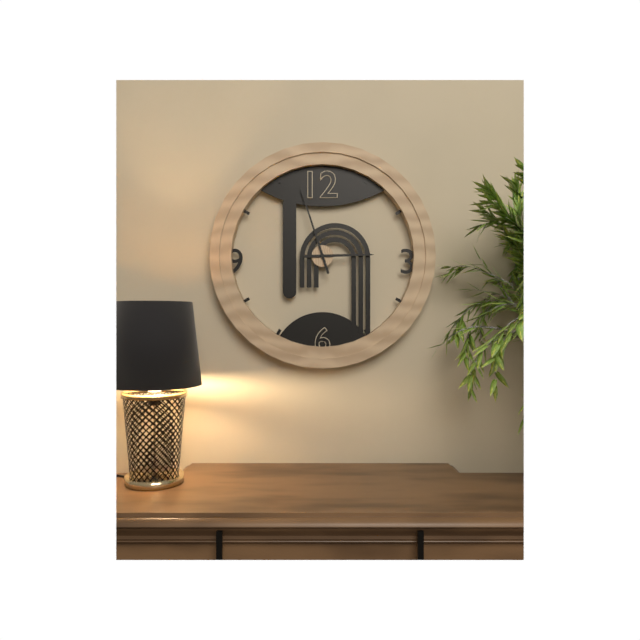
2:57
